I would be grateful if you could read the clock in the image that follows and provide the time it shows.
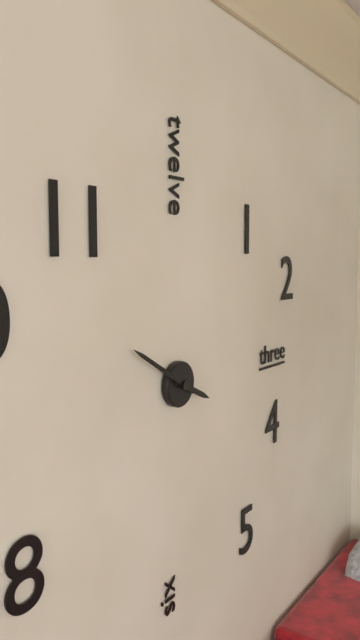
3:50
